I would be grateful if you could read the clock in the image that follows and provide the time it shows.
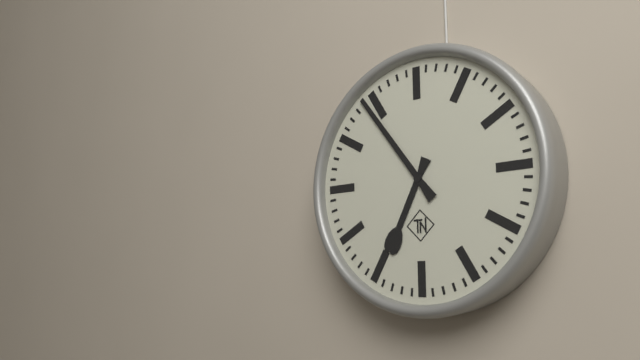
6:54
